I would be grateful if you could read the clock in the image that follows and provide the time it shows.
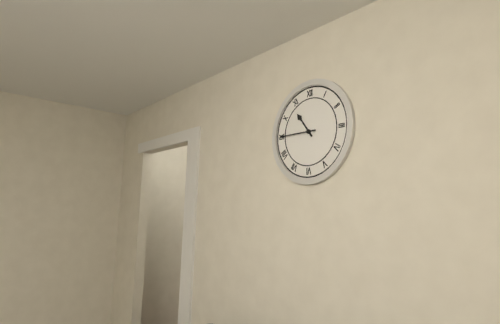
10:45
